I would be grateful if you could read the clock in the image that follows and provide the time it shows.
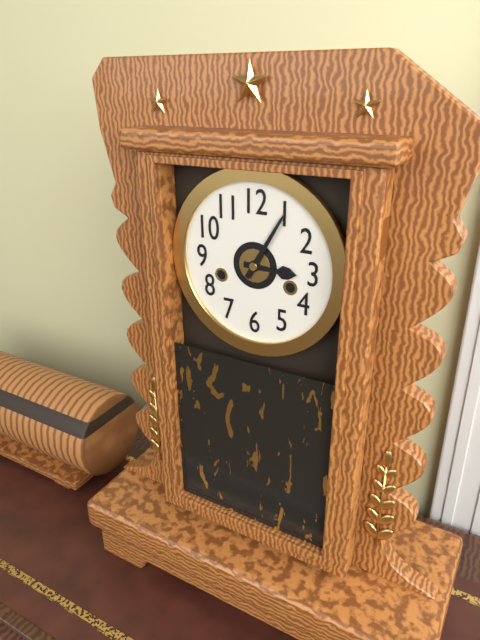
3:05
